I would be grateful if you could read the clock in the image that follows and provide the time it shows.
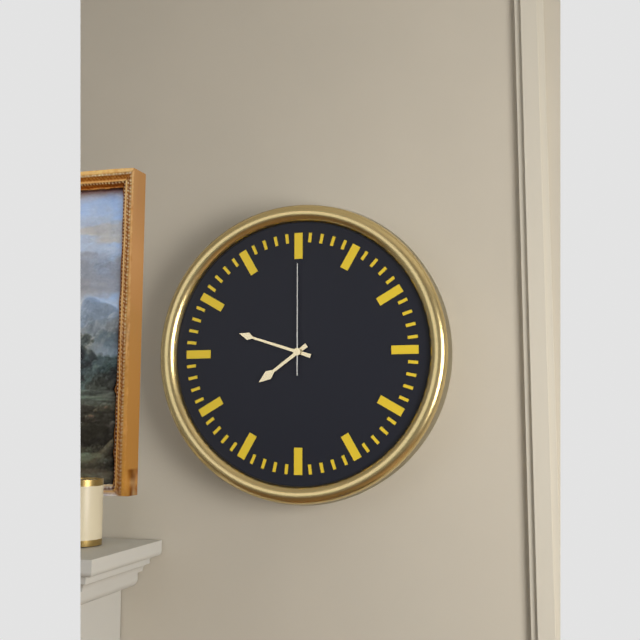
7:48:00
